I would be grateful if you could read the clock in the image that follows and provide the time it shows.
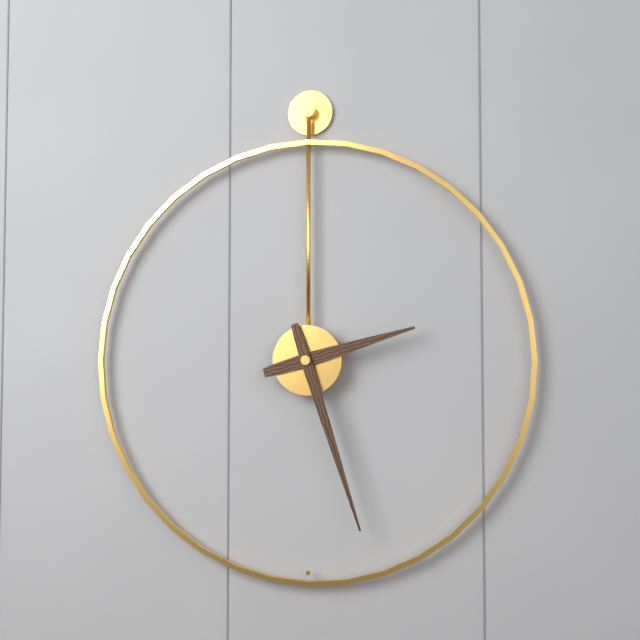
2:27
